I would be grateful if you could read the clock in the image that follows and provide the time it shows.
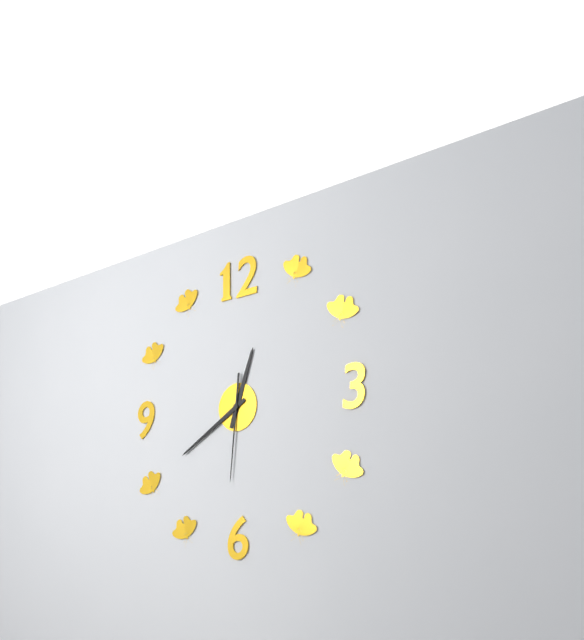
12:40:31
